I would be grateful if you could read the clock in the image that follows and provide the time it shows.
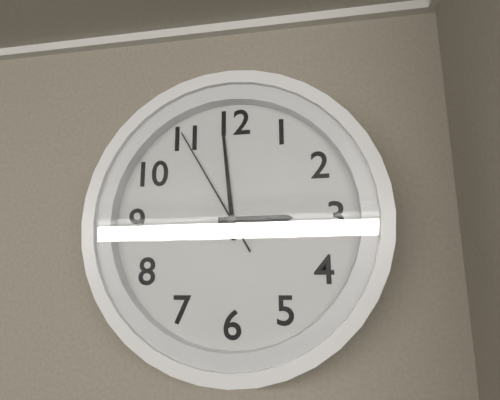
2:59:55
